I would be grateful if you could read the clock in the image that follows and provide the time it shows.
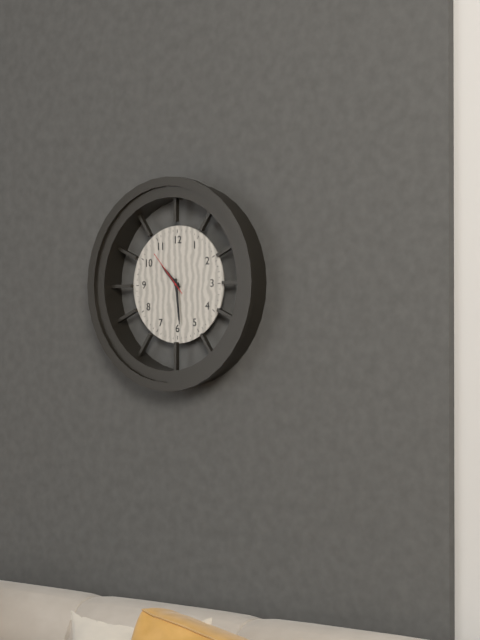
10:29
